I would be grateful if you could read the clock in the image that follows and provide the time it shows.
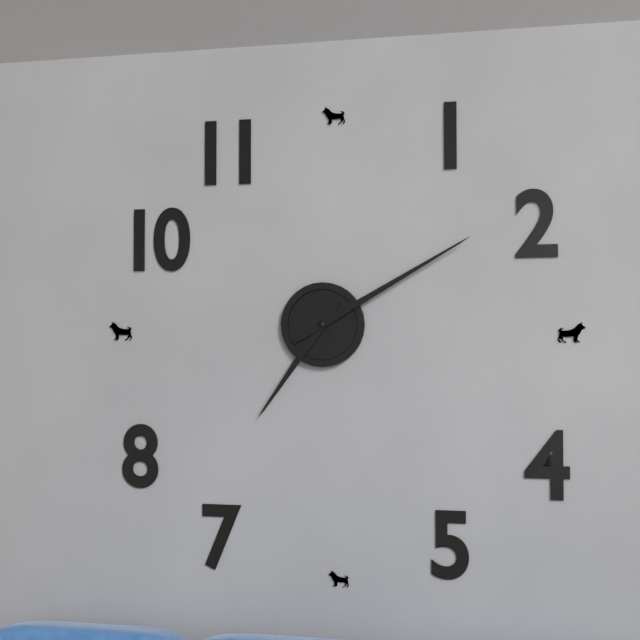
7:10
